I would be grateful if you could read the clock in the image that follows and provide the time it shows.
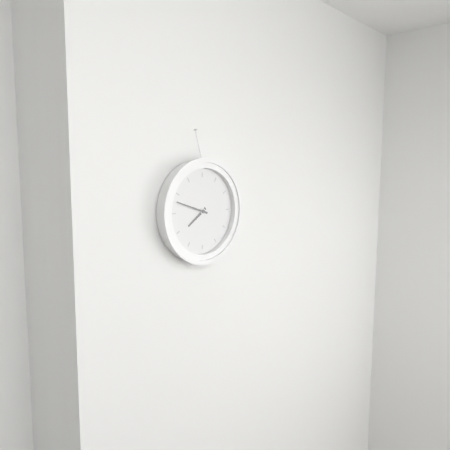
7:48
